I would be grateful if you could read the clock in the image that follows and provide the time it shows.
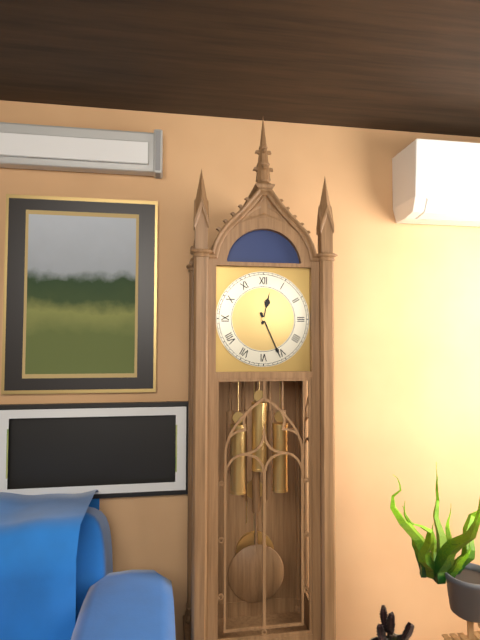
12:26
